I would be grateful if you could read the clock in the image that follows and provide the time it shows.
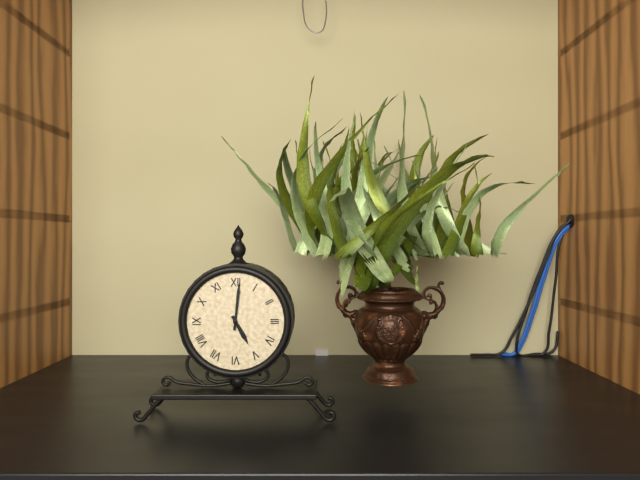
5:01
